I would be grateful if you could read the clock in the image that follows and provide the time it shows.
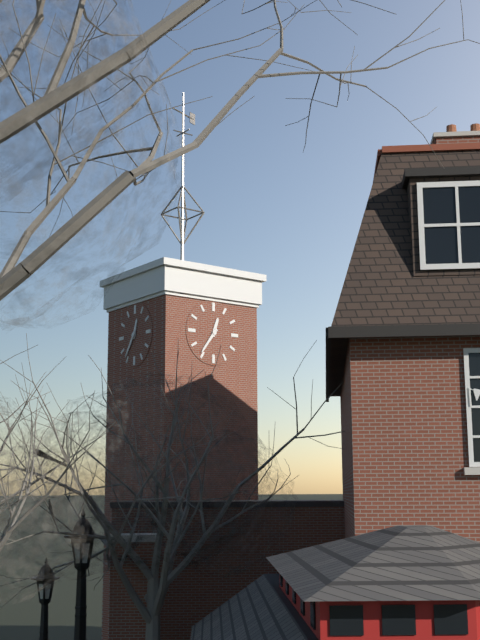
12:36
